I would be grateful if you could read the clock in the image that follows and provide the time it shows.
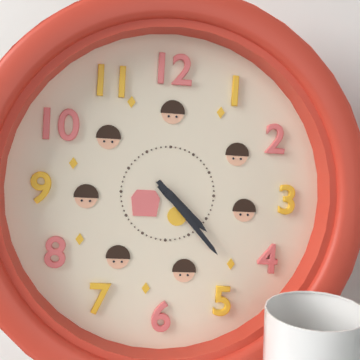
4:23
